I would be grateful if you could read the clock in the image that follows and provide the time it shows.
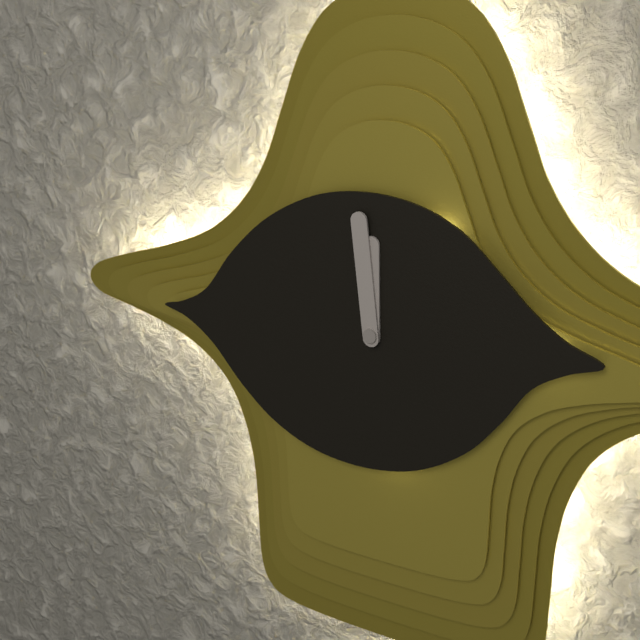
11:59
